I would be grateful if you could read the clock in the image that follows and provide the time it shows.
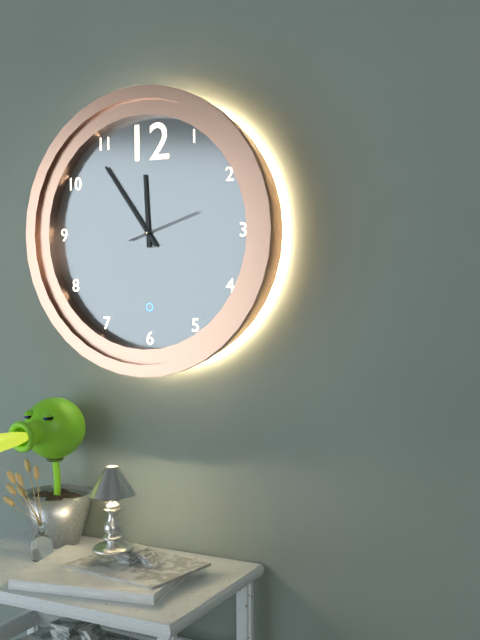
11:54:12
